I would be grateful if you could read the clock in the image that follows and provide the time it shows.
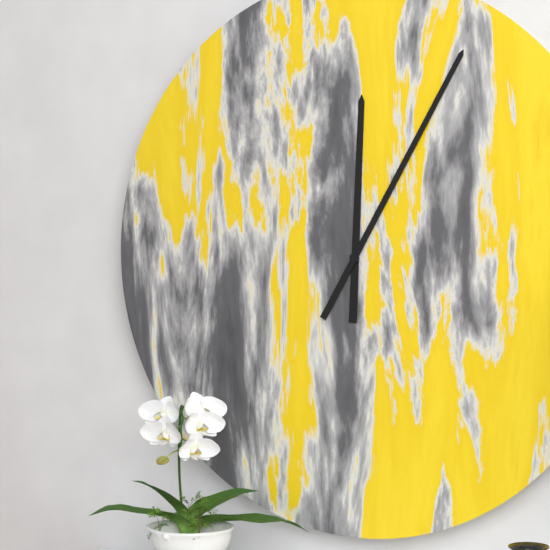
12:05
